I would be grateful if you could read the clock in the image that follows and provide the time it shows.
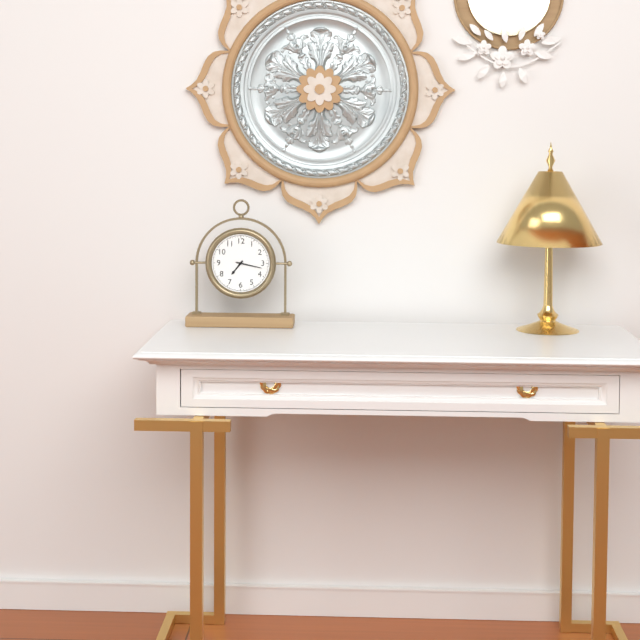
7:17
